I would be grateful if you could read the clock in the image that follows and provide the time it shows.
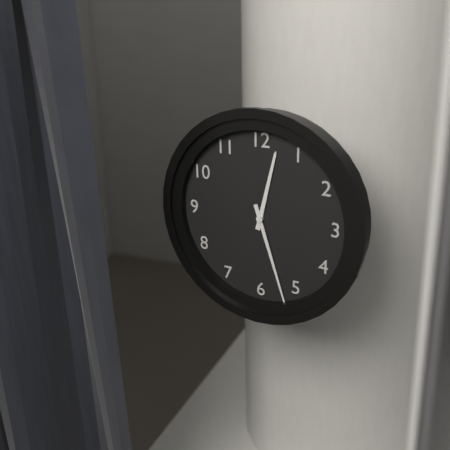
12:27
